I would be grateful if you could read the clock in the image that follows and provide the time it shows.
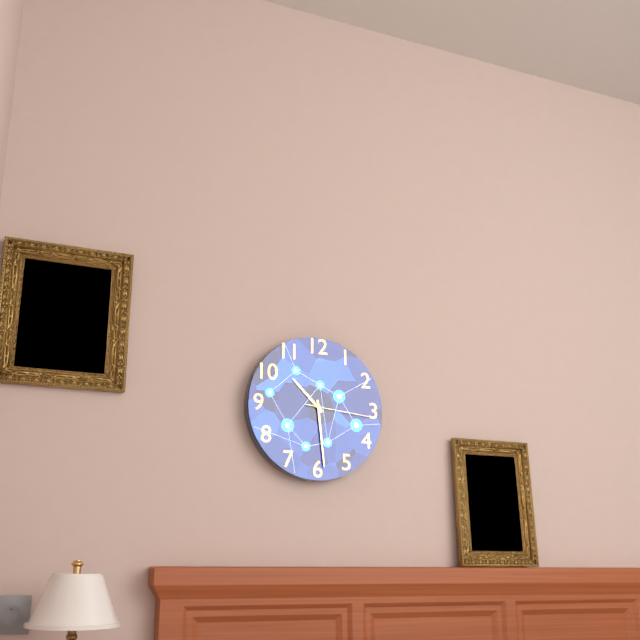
10:29:16
